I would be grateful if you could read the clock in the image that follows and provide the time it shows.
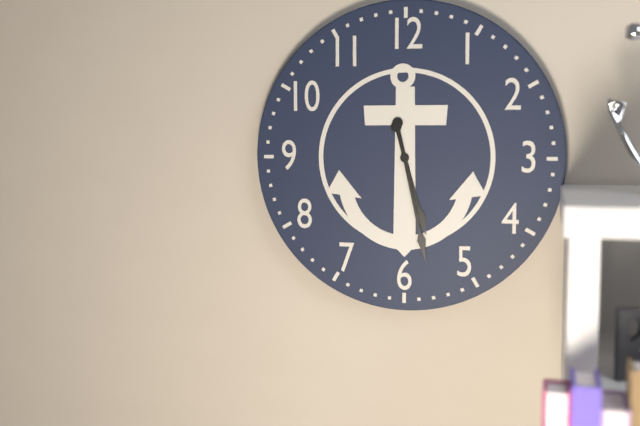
5:28
